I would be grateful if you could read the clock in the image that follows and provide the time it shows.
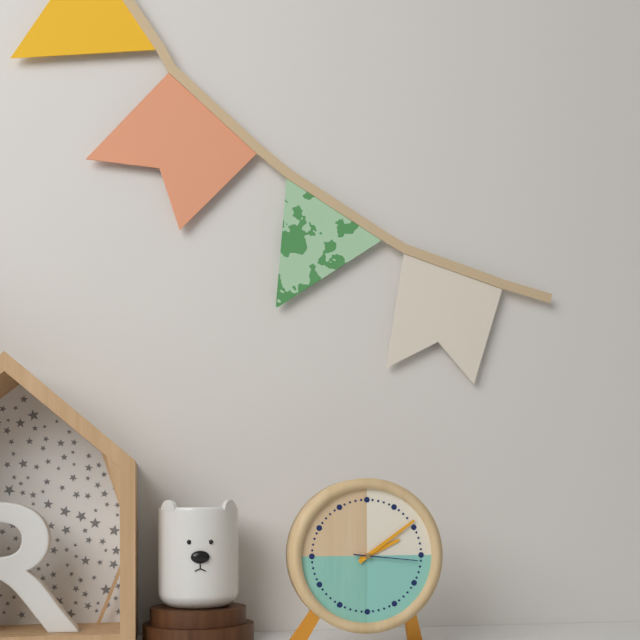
2:09:16
